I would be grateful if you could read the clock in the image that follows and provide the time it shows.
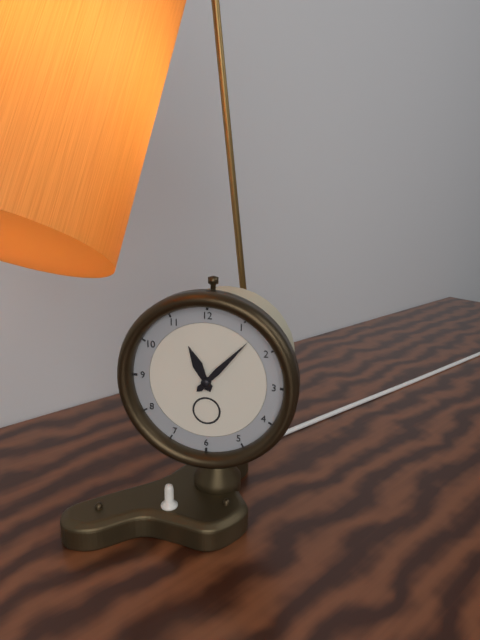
11:07
